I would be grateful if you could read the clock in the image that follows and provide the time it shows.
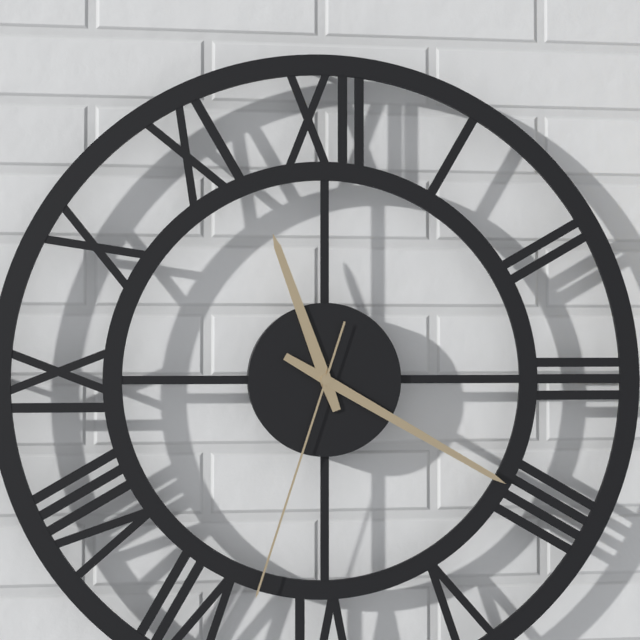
11:20:33
